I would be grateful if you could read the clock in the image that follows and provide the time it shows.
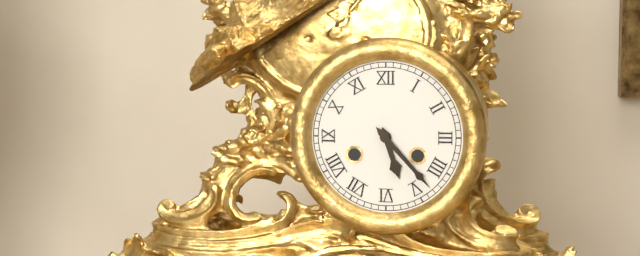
5:23
